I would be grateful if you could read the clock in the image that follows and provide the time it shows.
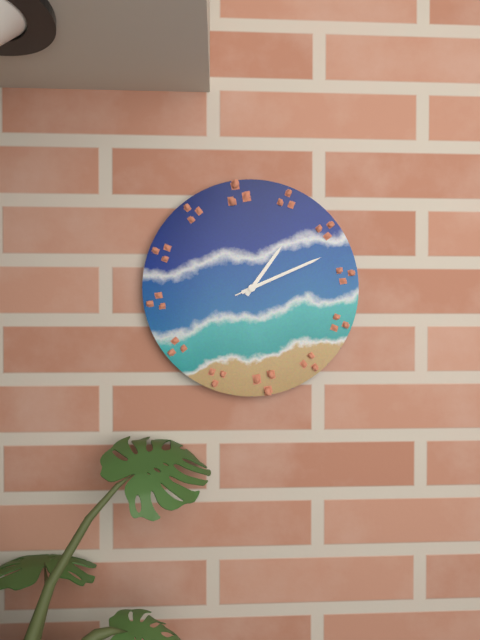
1:11:11
